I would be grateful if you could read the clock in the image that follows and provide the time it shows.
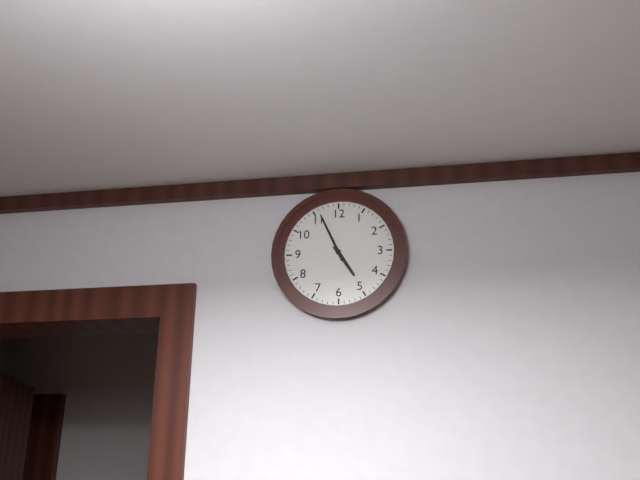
4:56
